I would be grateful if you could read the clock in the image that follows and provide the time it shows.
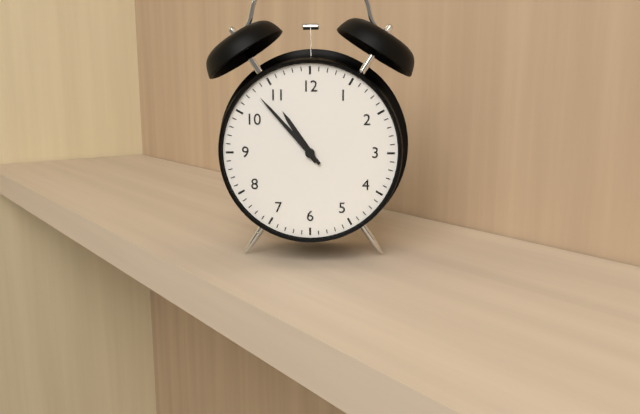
10:53
